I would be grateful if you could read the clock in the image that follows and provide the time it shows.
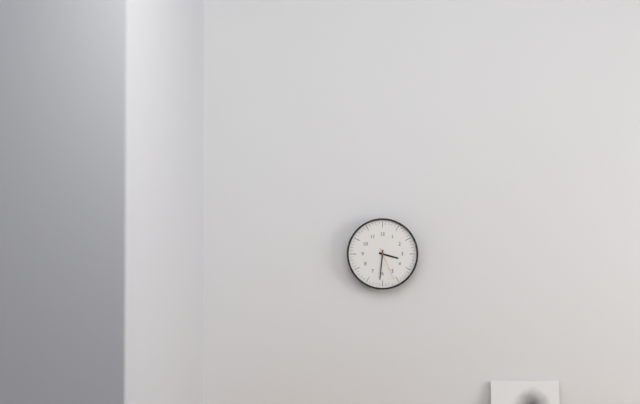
3:31
